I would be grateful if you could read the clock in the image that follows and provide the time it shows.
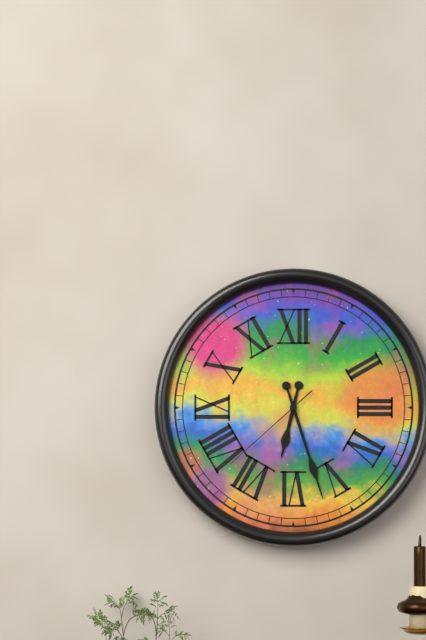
6:27:38
